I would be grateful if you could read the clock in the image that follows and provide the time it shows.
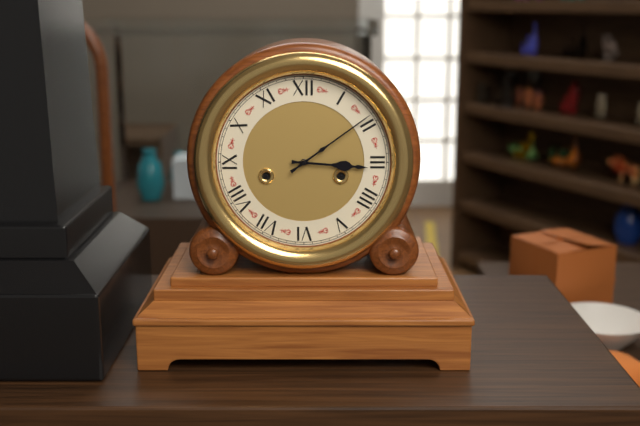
3:09
